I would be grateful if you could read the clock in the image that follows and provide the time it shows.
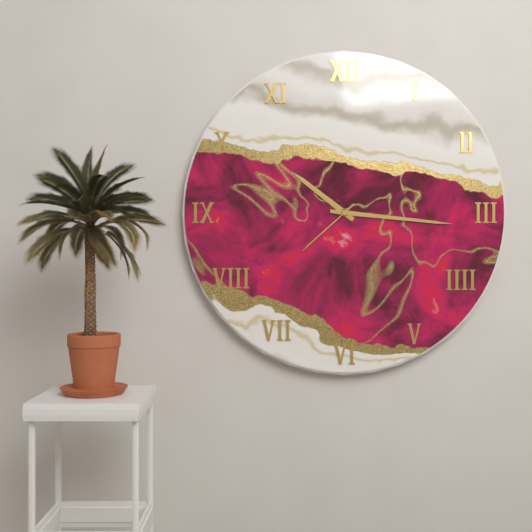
10:16:38
